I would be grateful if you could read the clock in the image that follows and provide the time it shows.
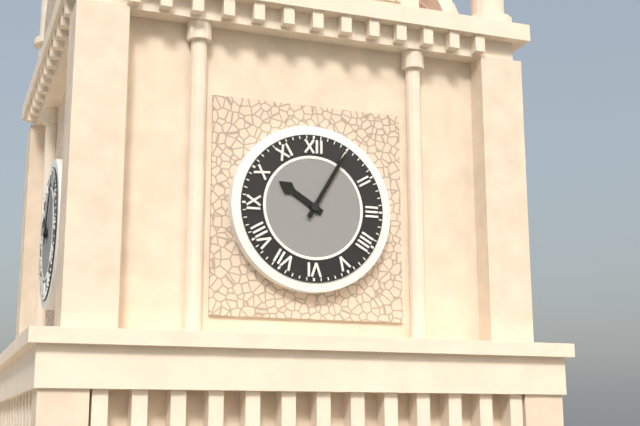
10:05
